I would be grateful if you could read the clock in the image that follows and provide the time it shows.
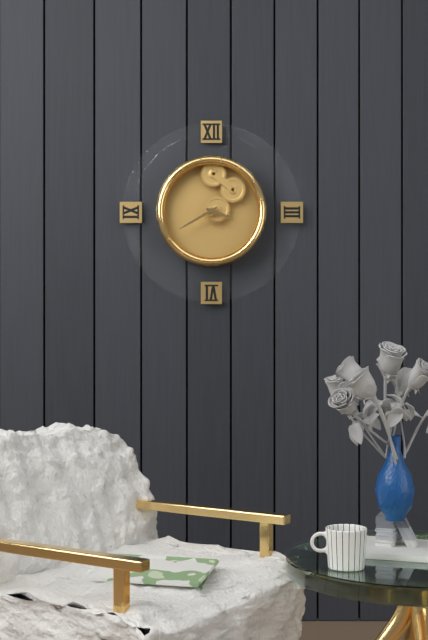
3:40
